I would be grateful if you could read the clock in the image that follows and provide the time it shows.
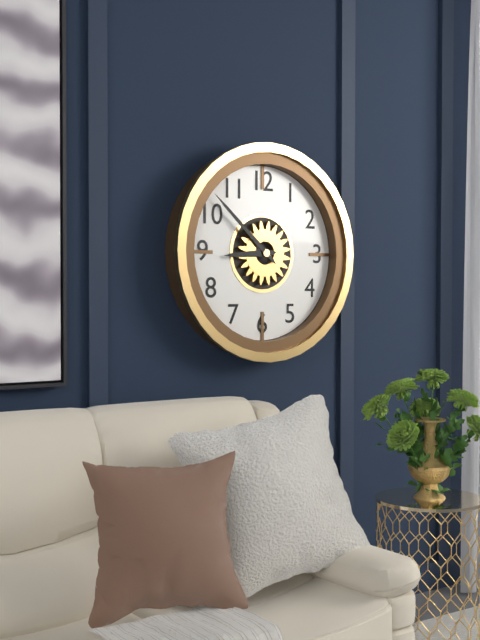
8:52
